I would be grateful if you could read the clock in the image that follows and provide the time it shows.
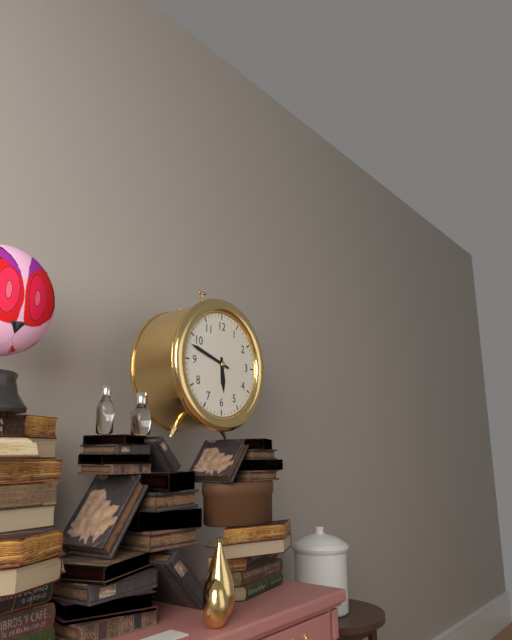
5:48
